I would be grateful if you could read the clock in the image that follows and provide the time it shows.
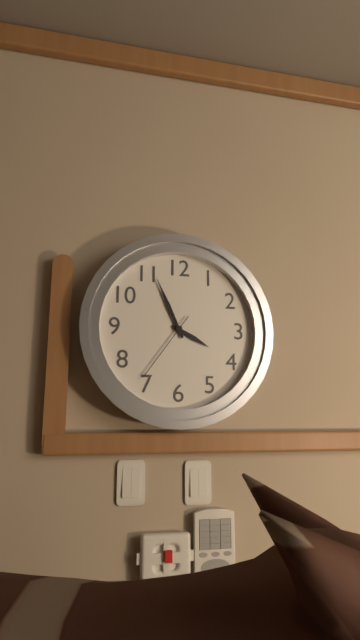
3:56:36
